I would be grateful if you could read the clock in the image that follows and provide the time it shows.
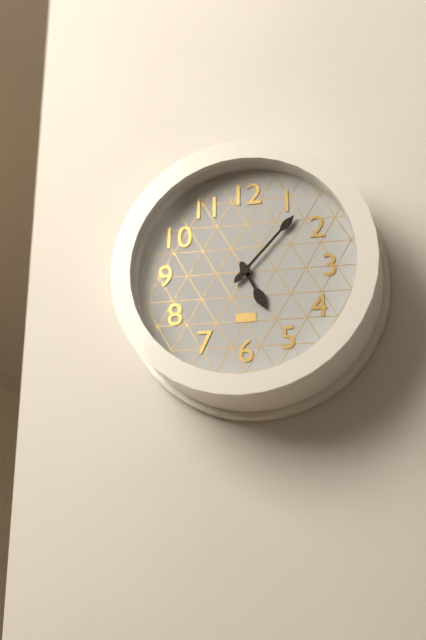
5:07
